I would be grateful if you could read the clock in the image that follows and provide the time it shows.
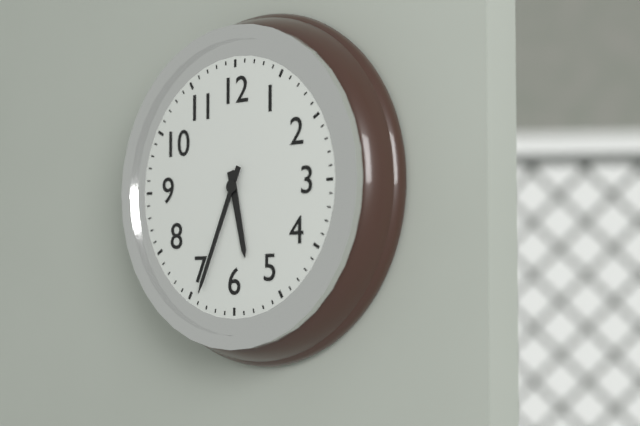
5:34
